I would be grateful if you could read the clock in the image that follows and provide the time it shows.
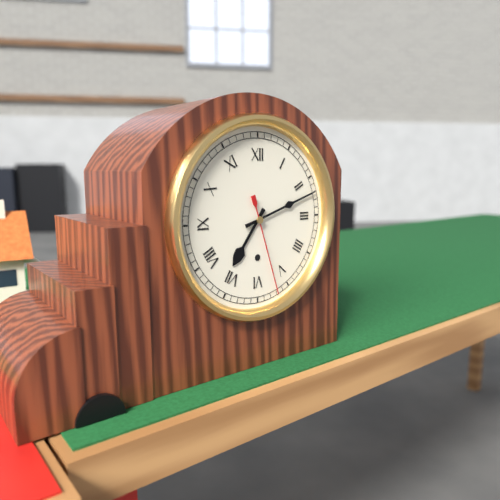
7:12:27
